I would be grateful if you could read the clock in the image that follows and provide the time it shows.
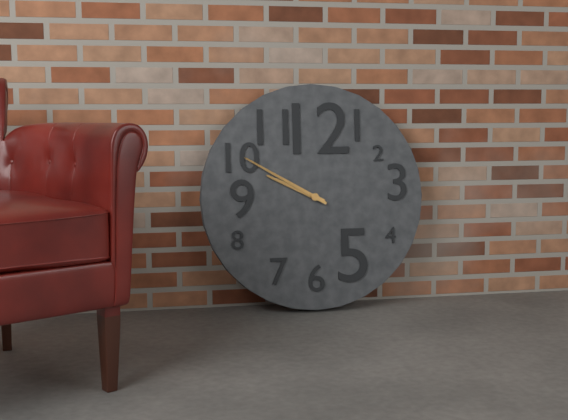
9:50
